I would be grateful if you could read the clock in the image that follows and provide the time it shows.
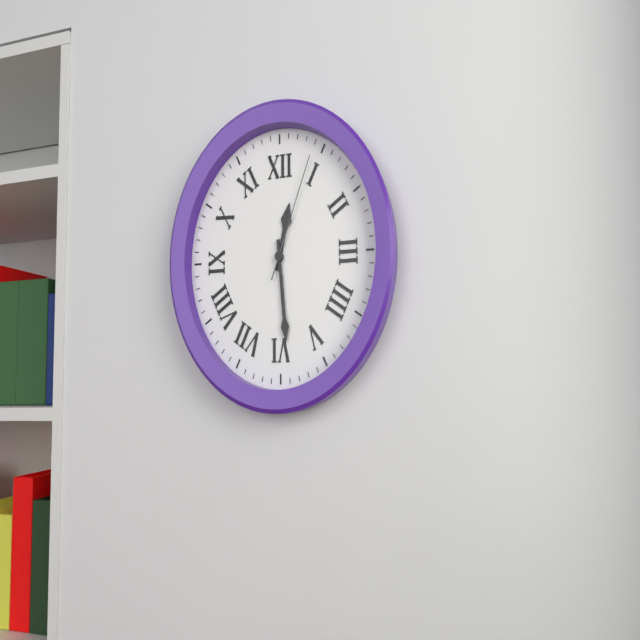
12:29:04
